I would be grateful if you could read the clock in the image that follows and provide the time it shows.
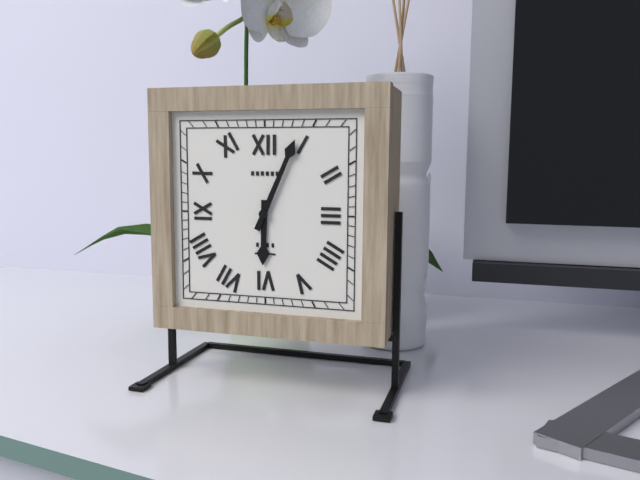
6:04
